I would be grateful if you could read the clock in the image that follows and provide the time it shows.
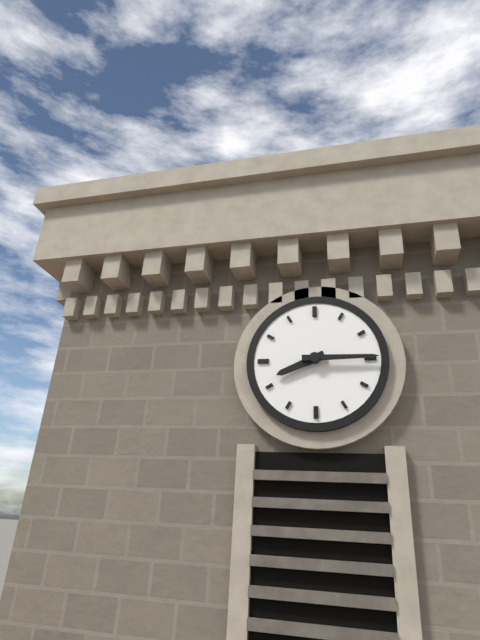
8:15
